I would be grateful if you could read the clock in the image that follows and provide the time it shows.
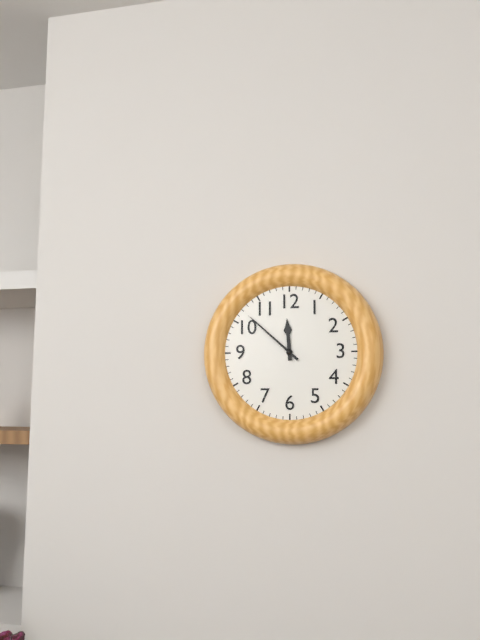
11:52
